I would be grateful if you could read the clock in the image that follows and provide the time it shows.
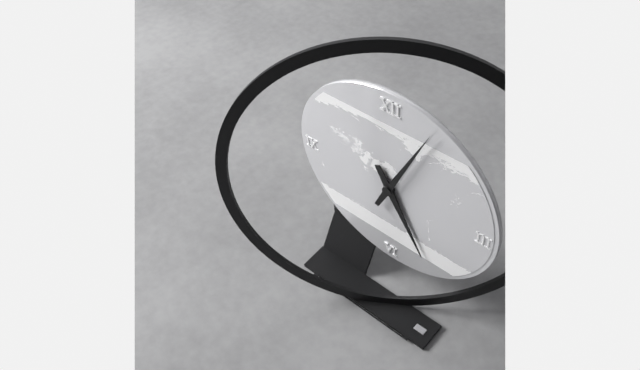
5:04
